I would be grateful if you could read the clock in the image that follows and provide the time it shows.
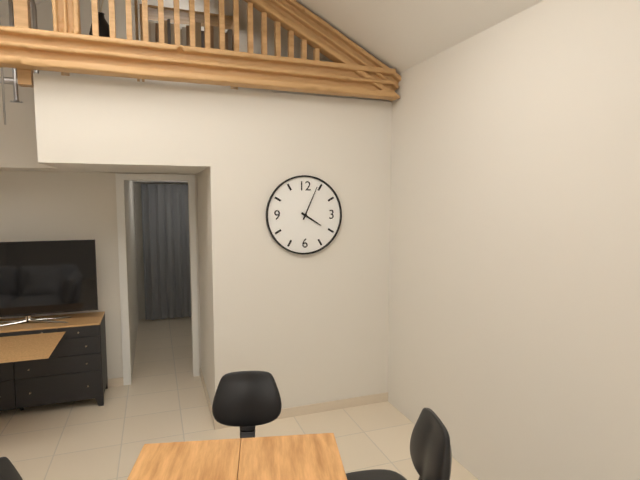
4:04
